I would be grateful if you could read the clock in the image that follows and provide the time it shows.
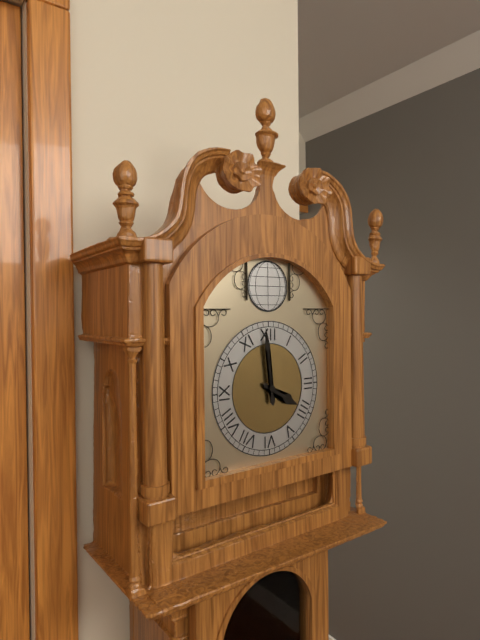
3:59
